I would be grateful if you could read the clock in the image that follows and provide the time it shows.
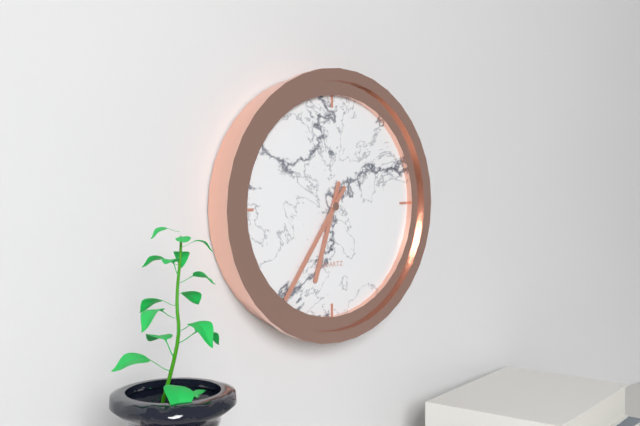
6:36
